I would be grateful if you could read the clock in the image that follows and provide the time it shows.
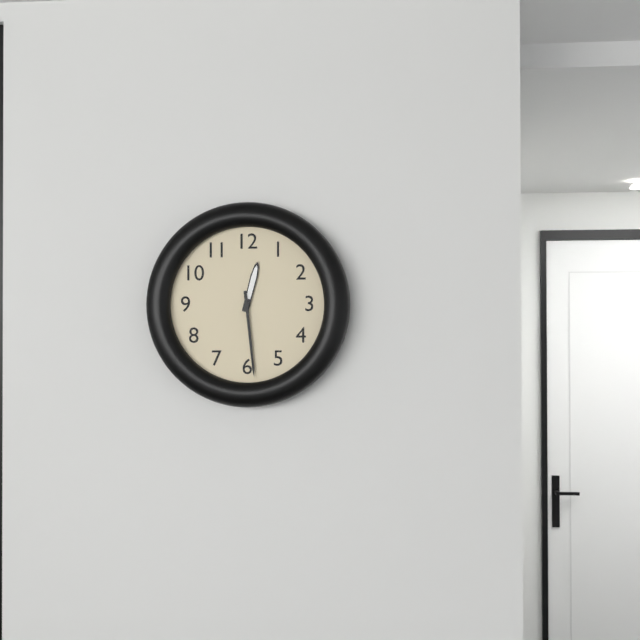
12:29
